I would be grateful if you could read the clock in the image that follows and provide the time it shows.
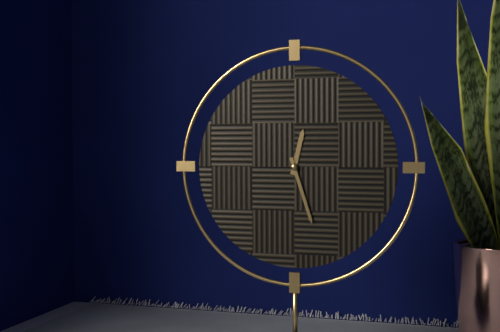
12:27
